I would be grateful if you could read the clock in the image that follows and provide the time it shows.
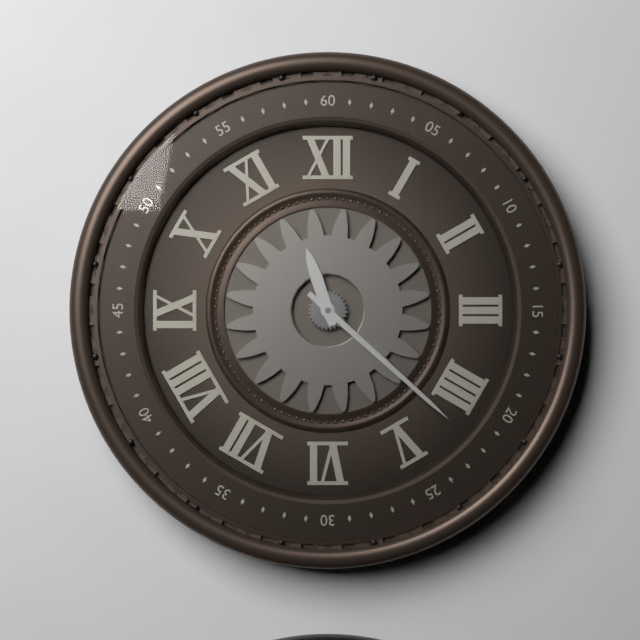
11:22
